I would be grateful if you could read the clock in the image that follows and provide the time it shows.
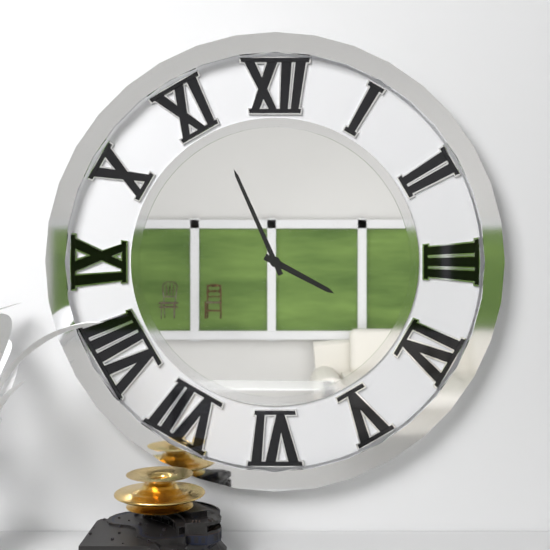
3:56
